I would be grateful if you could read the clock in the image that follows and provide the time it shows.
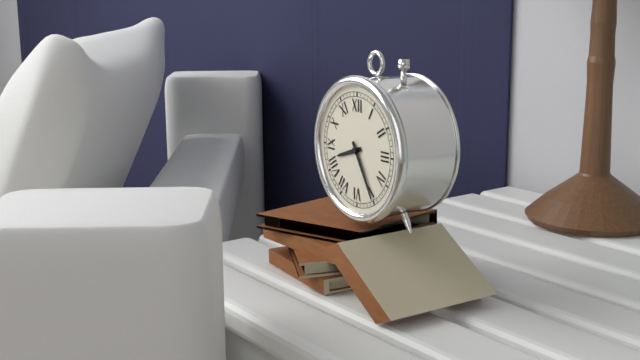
8:25
